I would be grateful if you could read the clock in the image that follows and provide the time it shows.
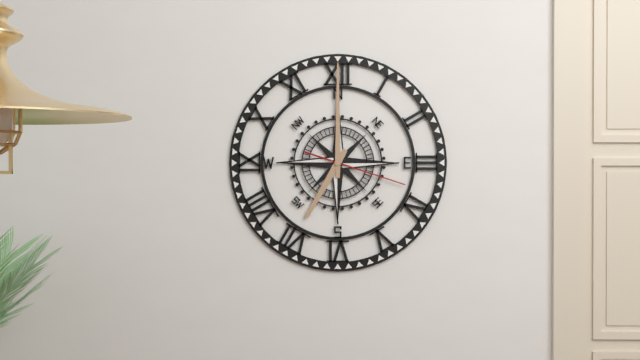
7:00:18
